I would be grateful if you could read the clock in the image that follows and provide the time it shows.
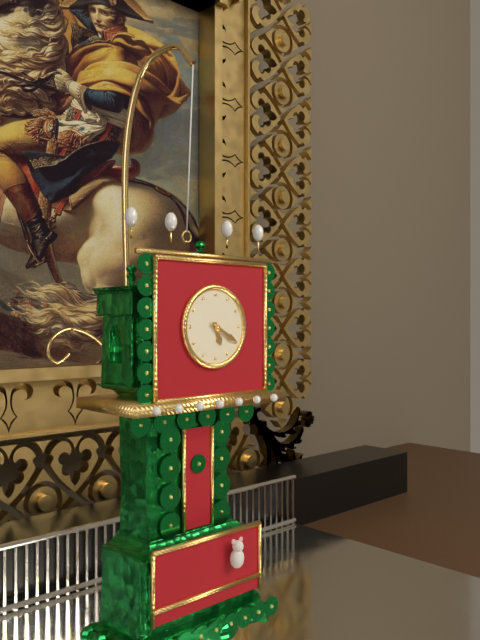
5:20
